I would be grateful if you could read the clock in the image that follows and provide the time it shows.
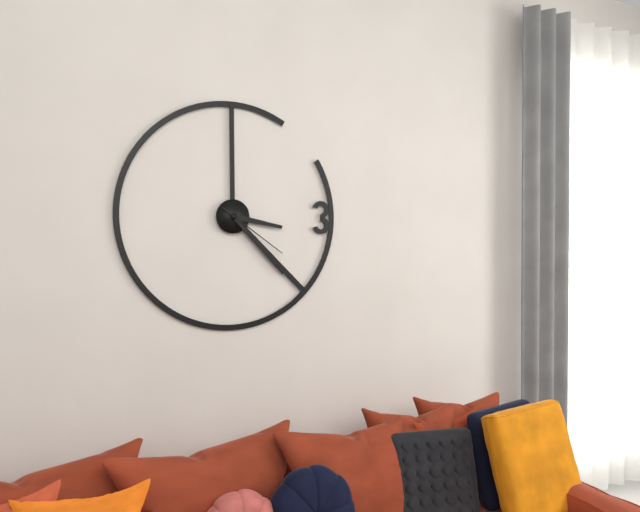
3:23:21
